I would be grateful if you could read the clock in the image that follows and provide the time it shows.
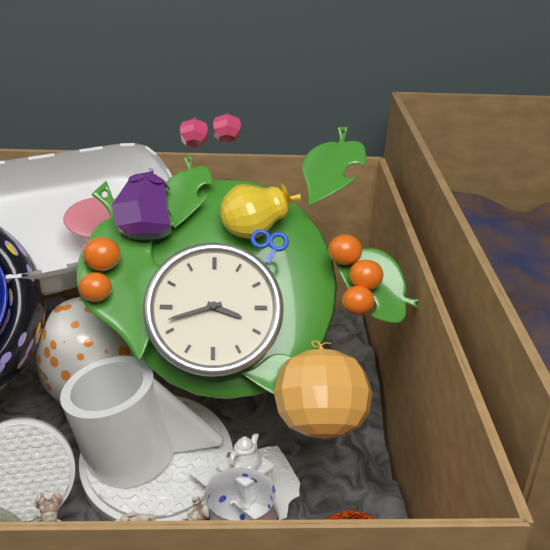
3:42
